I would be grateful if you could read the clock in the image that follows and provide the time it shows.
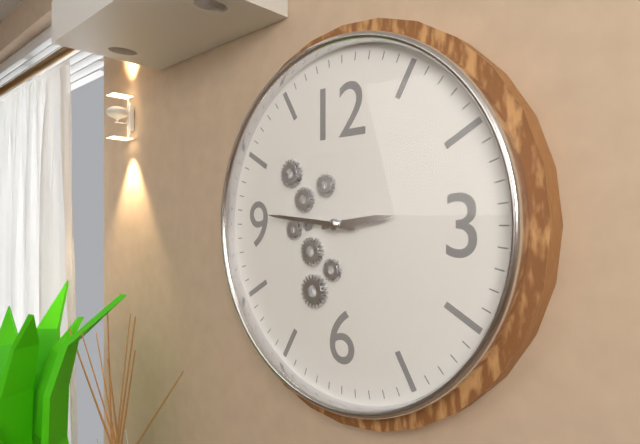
2:46
